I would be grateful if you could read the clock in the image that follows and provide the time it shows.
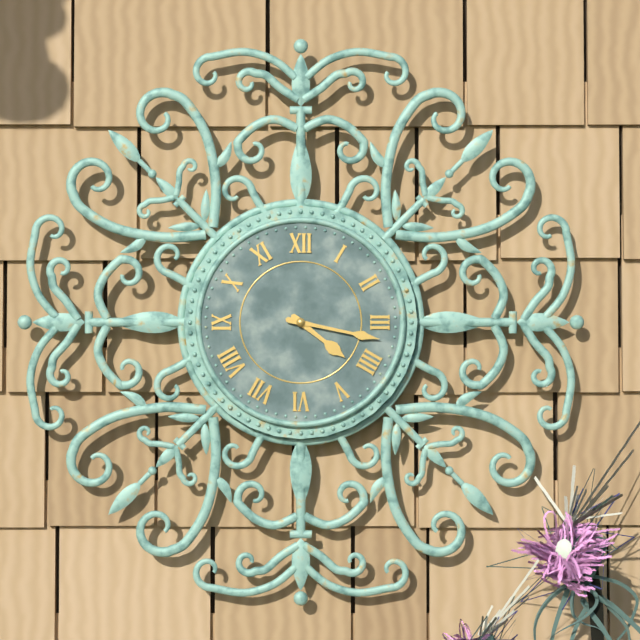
4:17
